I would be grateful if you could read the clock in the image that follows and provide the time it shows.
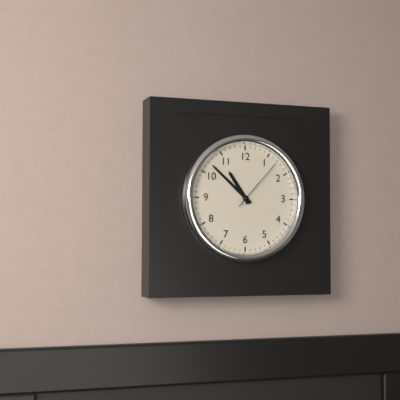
10:52:07
